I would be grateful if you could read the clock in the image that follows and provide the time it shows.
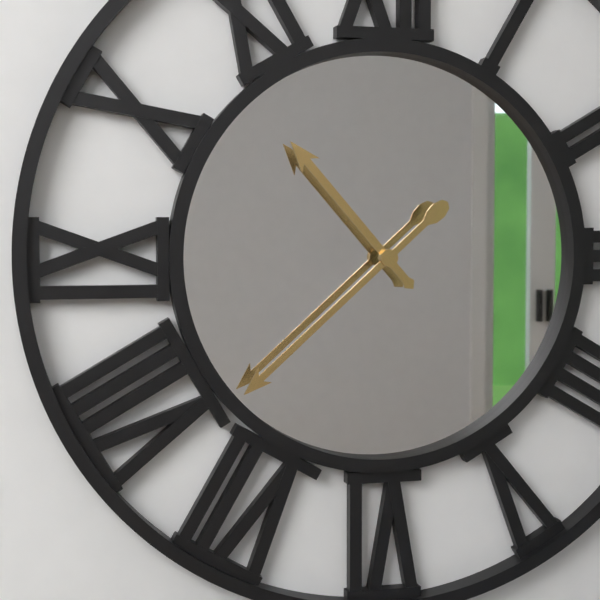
10:38
